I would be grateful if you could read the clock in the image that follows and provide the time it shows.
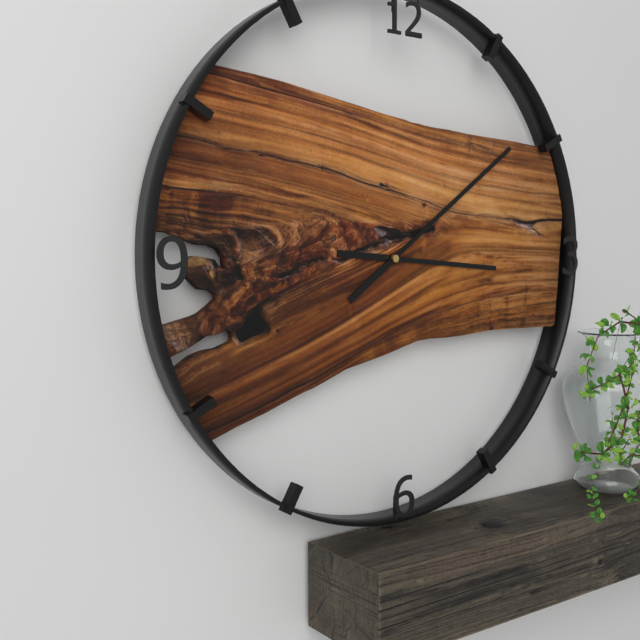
3:09
